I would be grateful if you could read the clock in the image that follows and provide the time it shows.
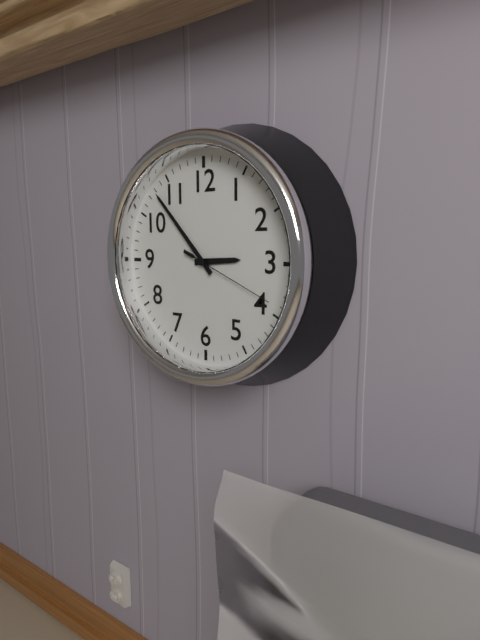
2:53:19
